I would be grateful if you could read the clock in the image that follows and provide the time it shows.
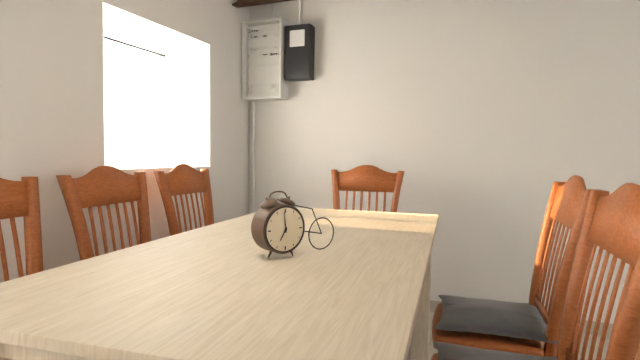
6:59
